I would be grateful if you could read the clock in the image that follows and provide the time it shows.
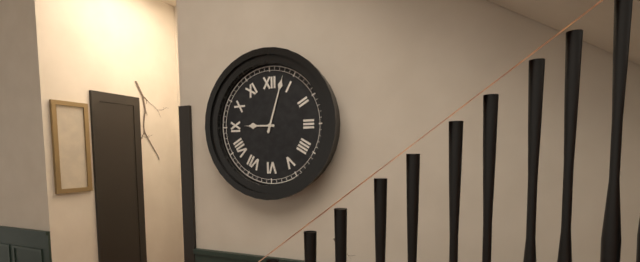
9:03
